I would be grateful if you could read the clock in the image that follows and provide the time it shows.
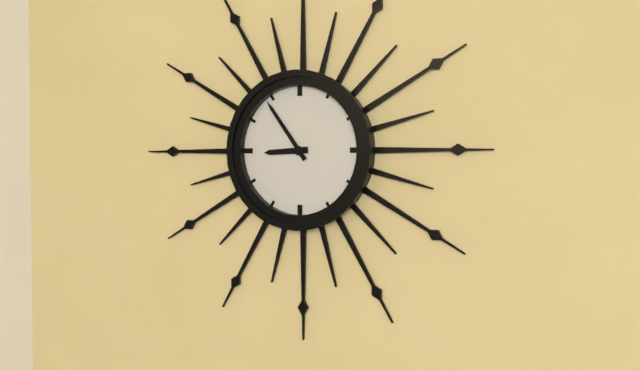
8:54
